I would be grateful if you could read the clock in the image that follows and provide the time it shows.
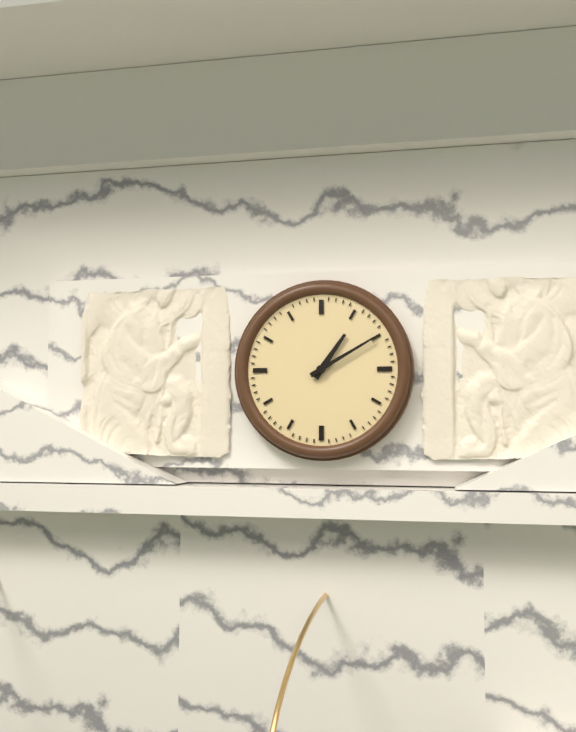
1:10
